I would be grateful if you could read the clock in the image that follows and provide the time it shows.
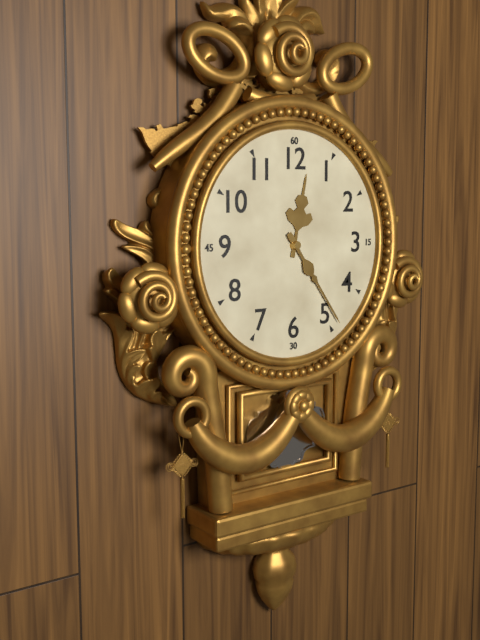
12:24
